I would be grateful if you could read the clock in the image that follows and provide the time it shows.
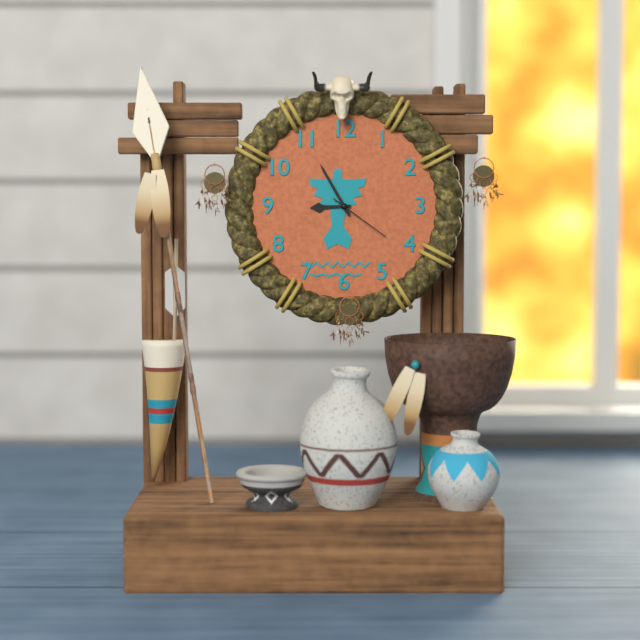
8:55:21
